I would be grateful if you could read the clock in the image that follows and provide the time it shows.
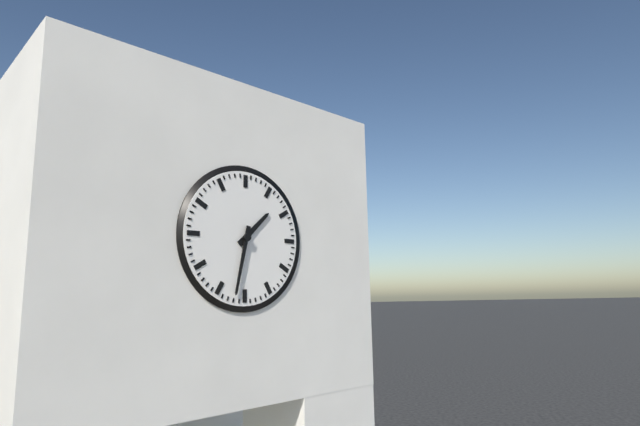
1:32
